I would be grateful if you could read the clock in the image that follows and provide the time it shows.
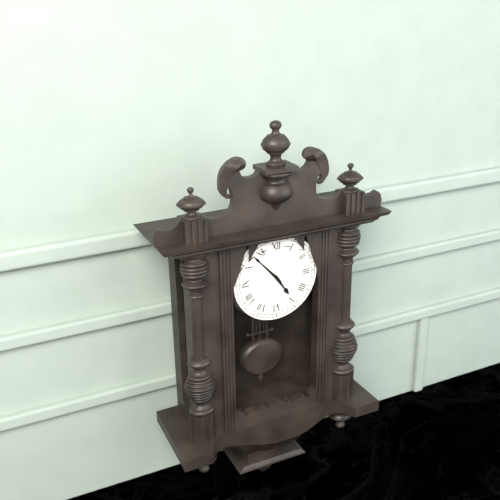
4:53
